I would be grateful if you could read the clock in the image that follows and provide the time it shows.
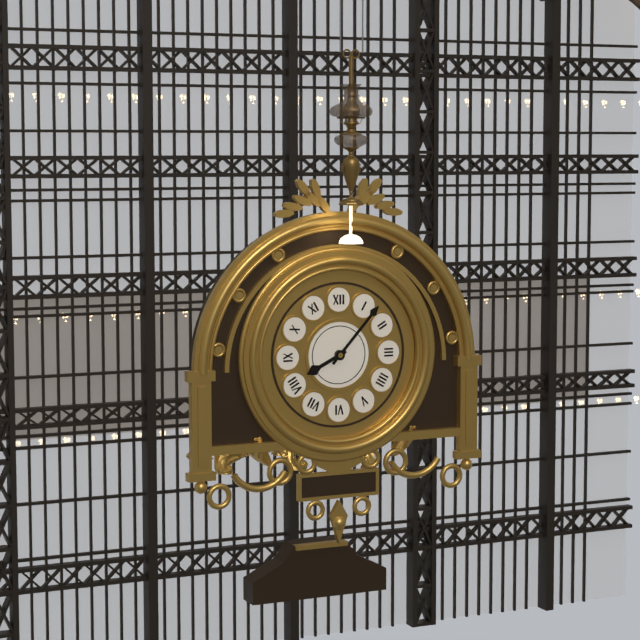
8:07
